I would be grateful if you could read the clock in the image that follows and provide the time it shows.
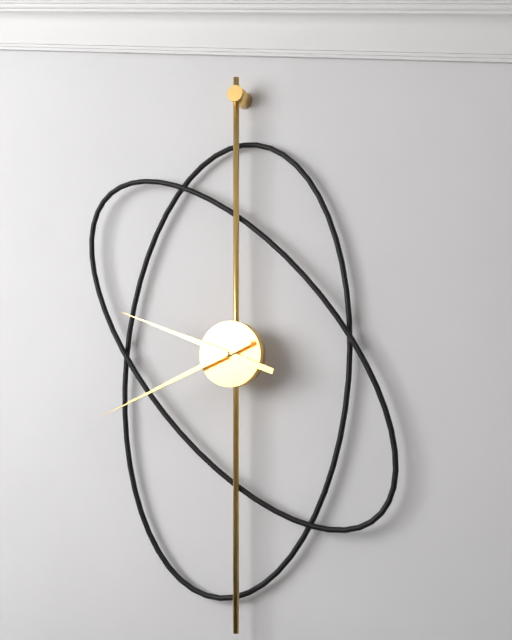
9:41
